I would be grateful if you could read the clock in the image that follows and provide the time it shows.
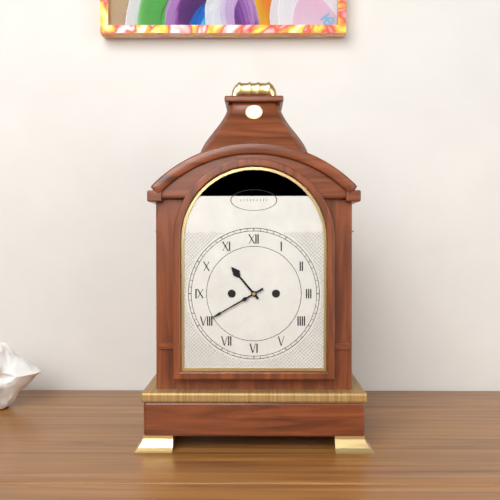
10:40
